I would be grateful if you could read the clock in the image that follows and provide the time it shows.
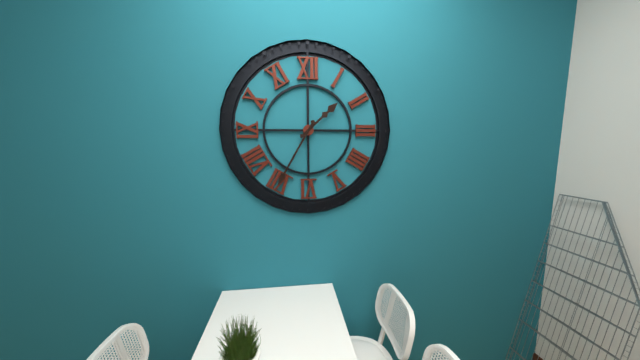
1:35
